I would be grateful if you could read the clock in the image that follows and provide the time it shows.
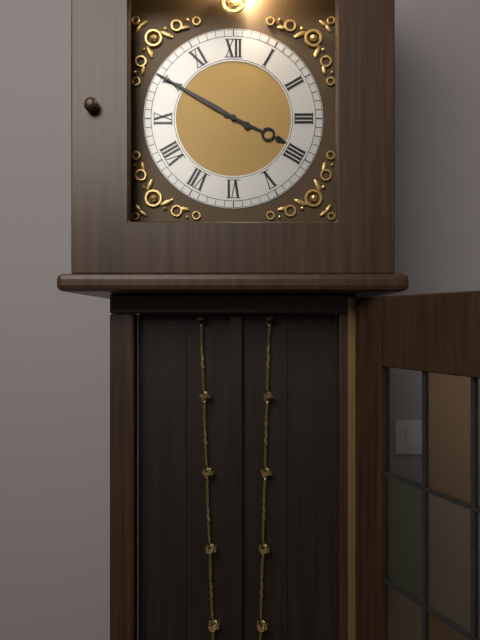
3:50
